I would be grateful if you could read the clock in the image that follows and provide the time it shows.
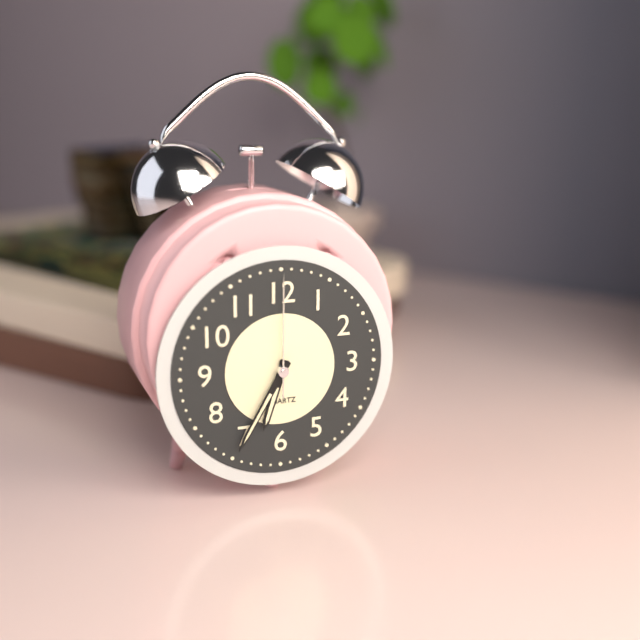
6:35:00
